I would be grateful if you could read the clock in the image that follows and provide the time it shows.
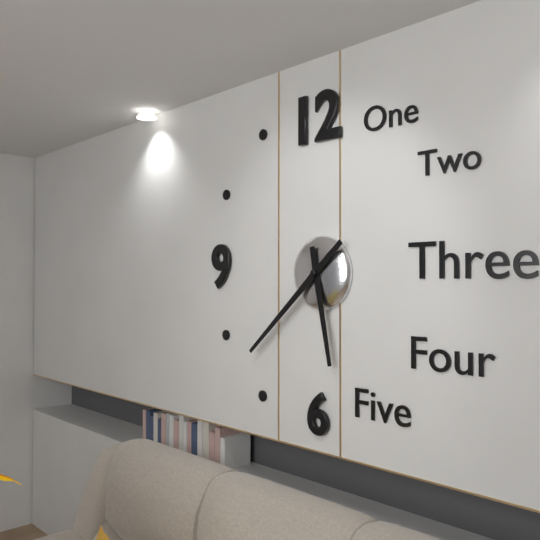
5:38
